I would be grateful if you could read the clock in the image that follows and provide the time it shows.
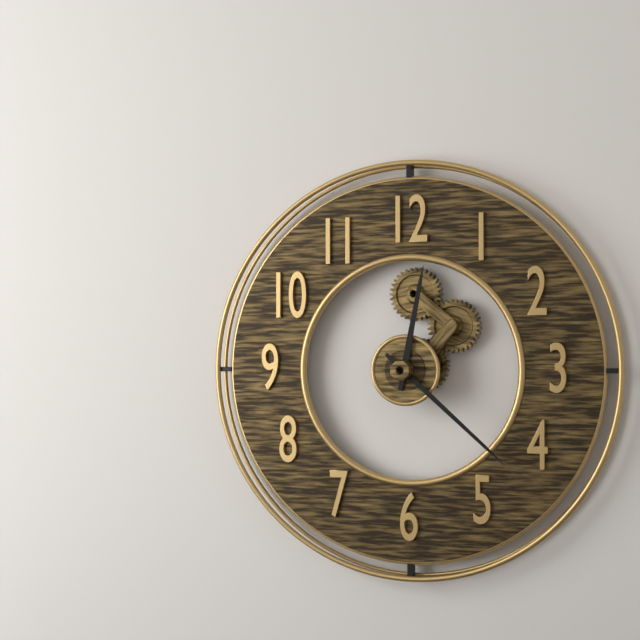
12:22
